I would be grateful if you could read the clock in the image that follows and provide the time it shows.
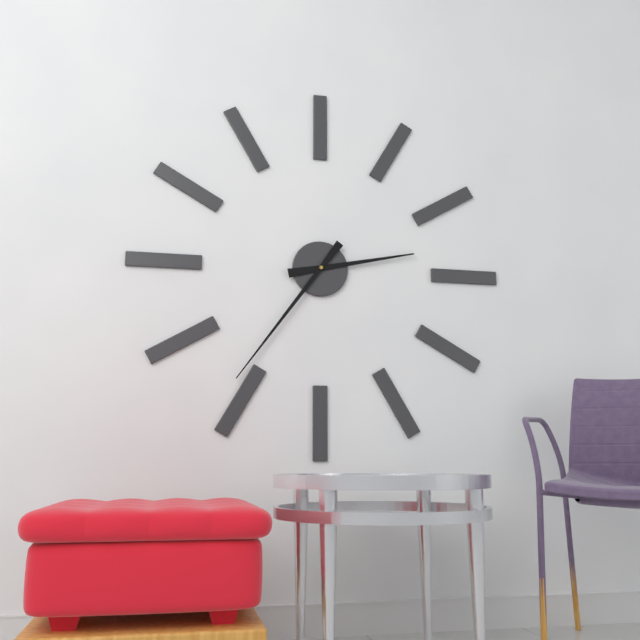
2:36
